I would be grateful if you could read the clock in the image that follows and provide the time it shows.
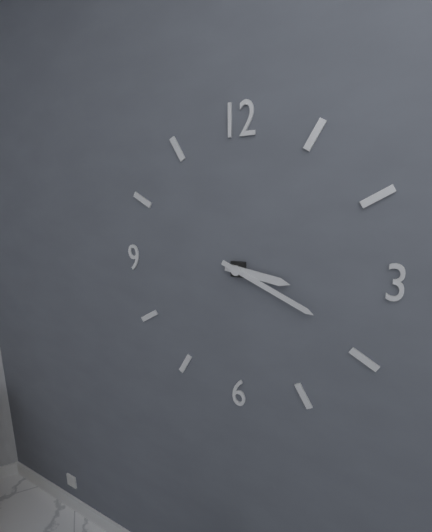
3:19
